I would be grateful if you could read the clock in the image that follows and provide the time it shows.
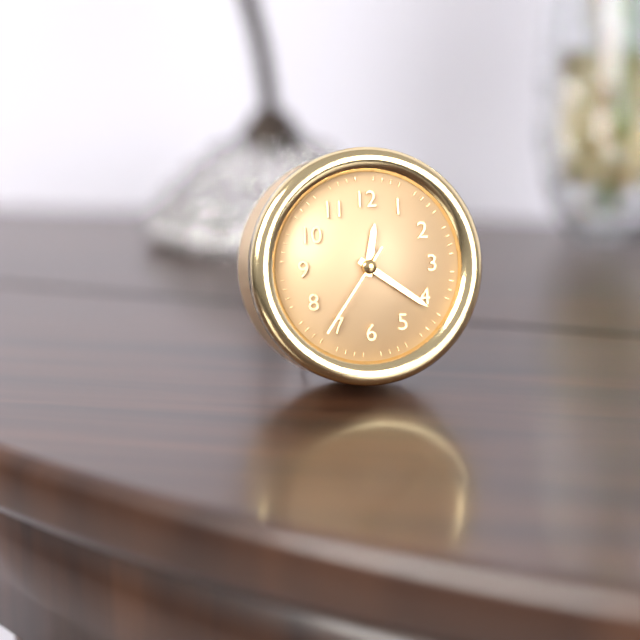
12:21:36
